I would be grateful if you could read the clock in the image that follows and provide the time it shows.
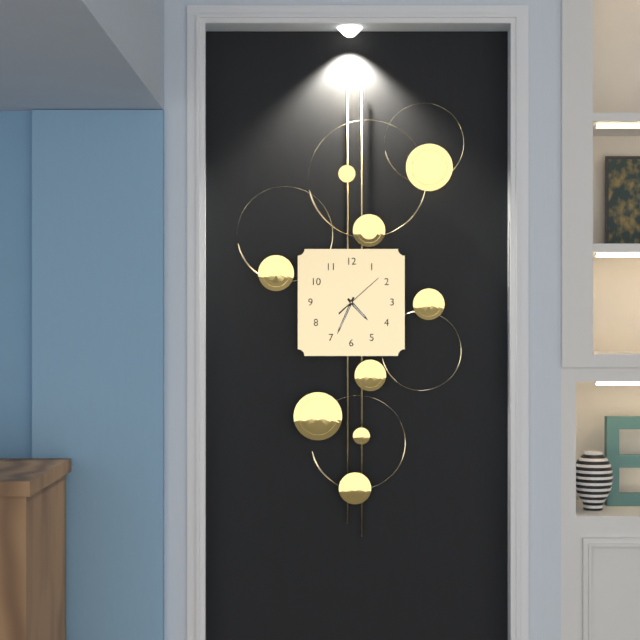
4:34
